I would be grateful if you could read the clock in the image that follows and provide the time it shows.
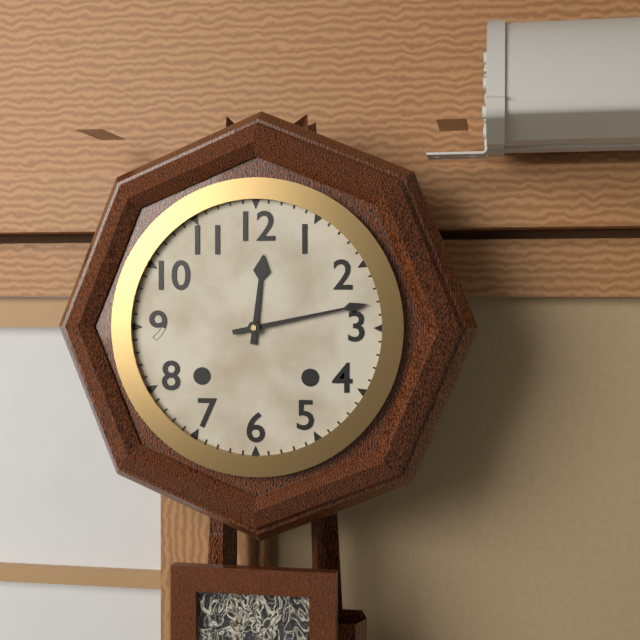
12:13
